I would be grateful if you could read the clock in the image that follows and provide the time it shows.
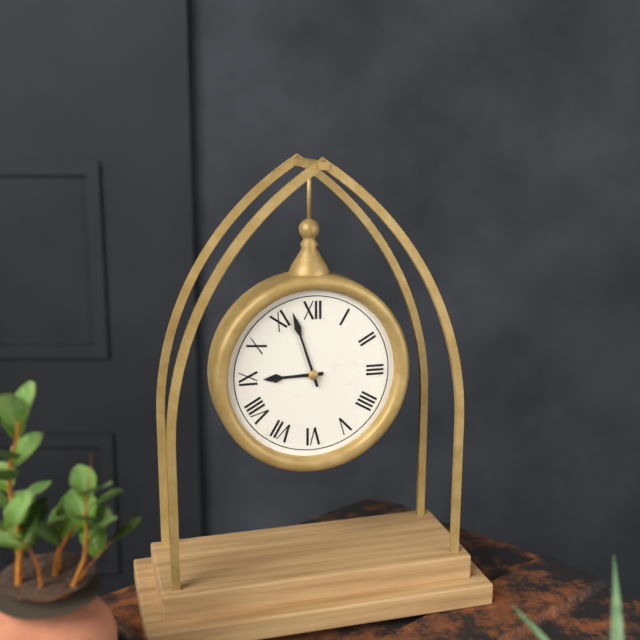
8:57
